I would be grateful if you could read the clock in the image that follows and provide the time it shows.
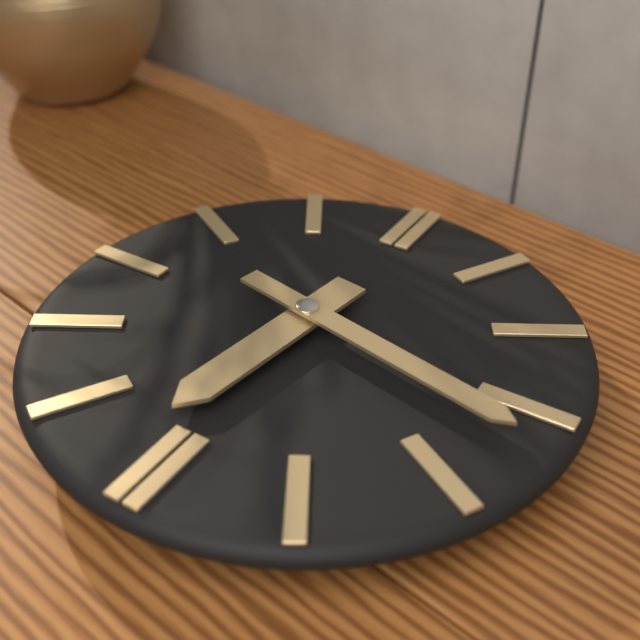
6:17
